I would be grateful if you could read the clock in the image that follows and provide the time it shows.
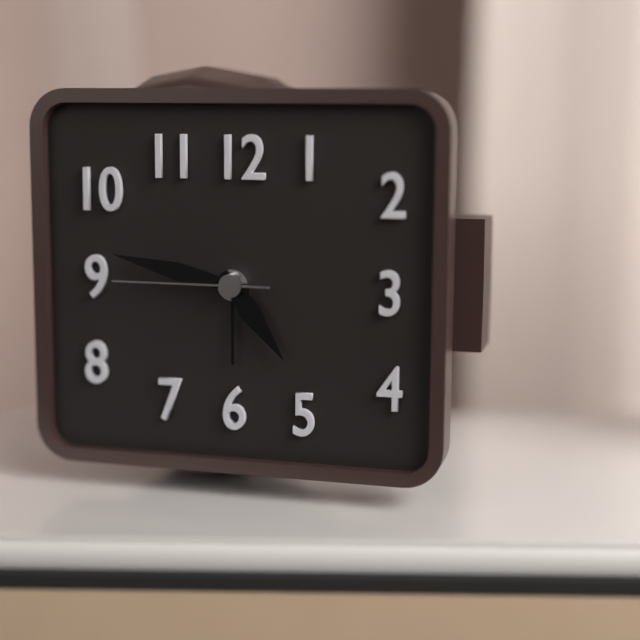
4:47:45
